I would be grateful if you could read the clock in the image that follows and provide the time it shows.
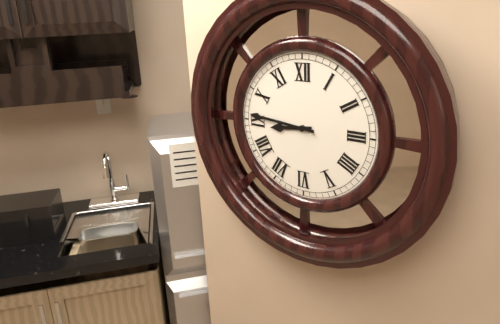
8:46
